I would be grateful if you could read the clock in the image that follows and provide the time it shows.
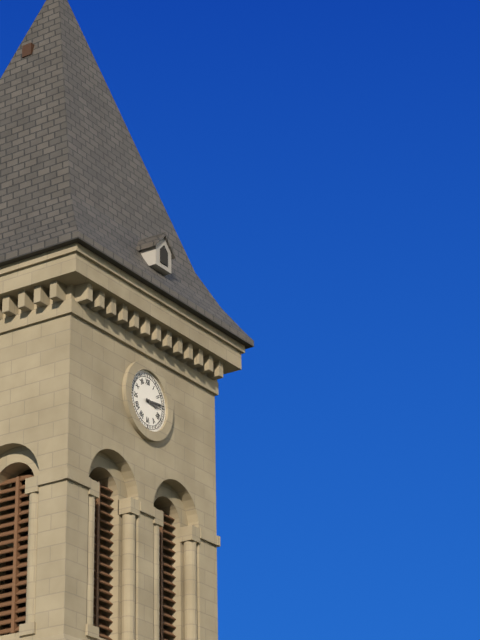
3:14
